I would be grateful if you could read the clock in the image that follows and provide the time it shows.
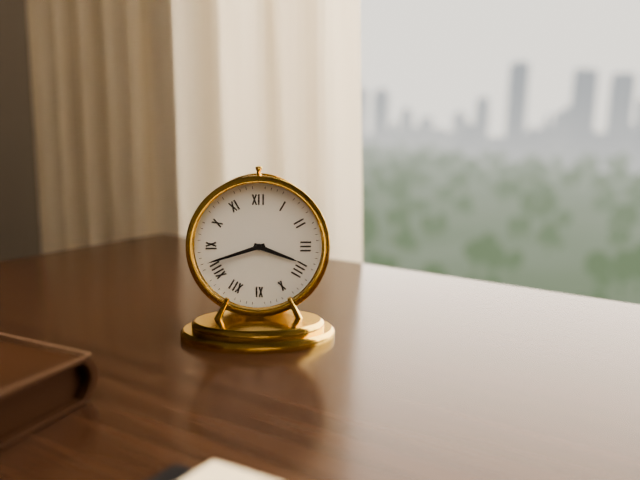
3:42
